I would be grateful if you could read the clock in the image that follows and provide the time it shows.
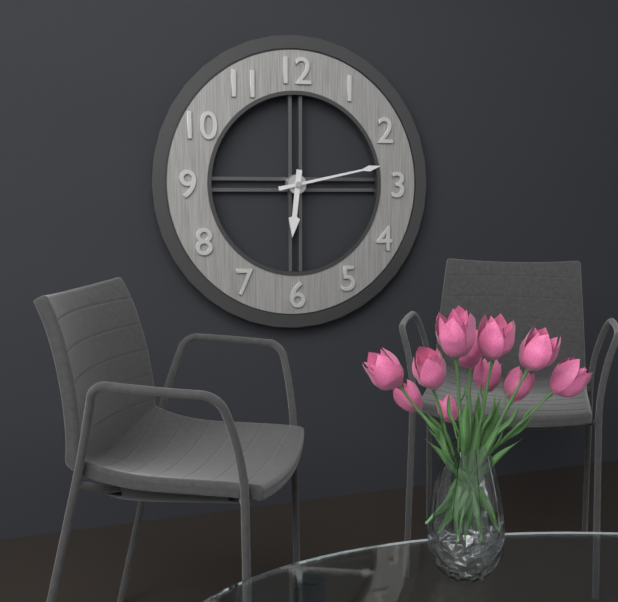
6:13
